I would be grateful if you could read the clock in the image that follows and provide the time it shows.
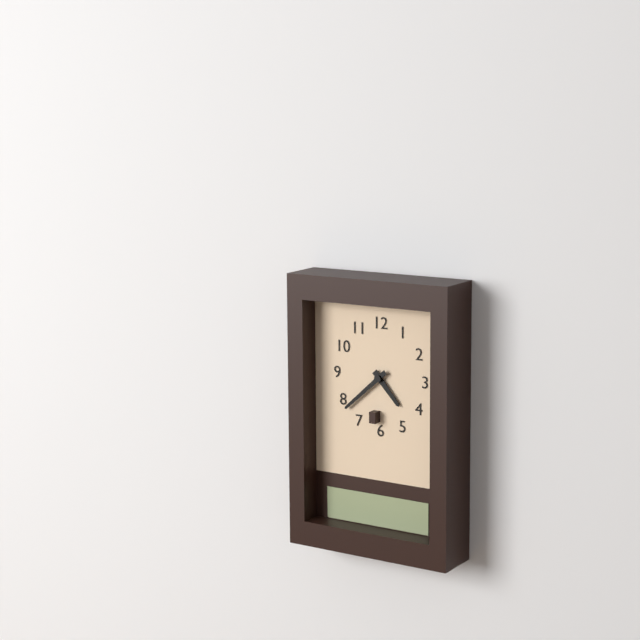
4:38
